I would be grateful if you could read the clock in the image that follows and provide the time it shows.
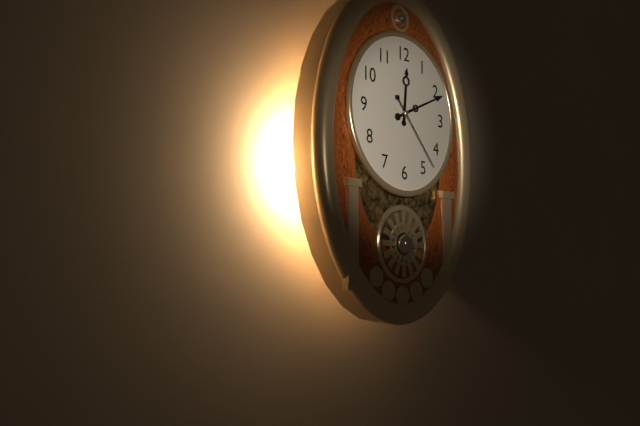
12:11:23
